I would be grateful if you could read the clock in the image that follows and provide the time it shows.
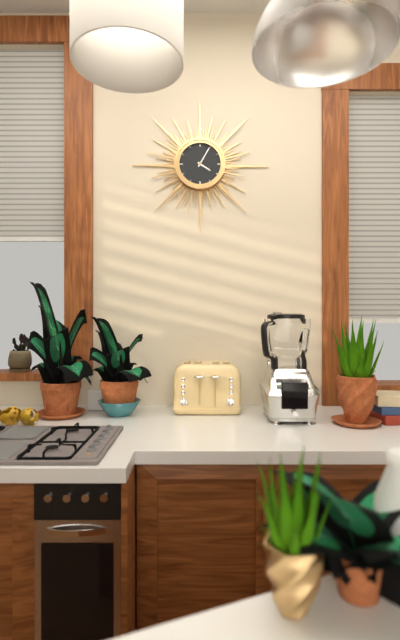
4:05
